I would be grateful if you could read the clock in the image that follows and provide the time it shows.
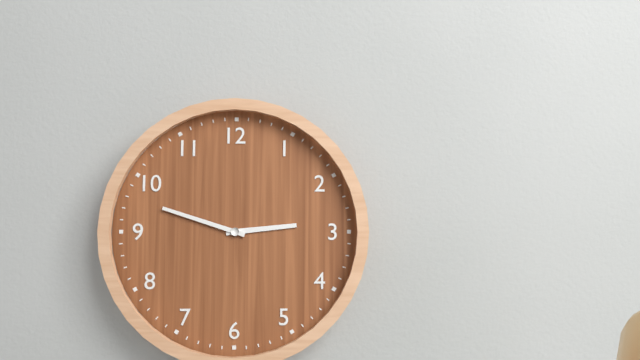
2:48
